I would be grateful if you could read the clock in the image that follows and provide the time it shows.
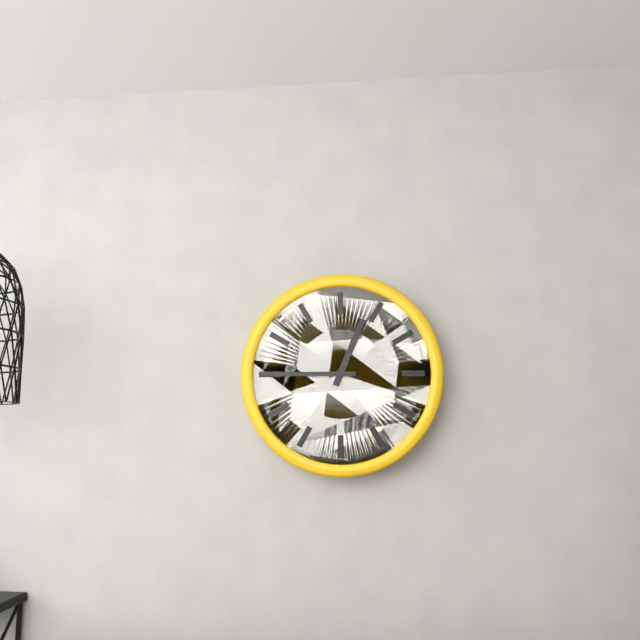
12:45
